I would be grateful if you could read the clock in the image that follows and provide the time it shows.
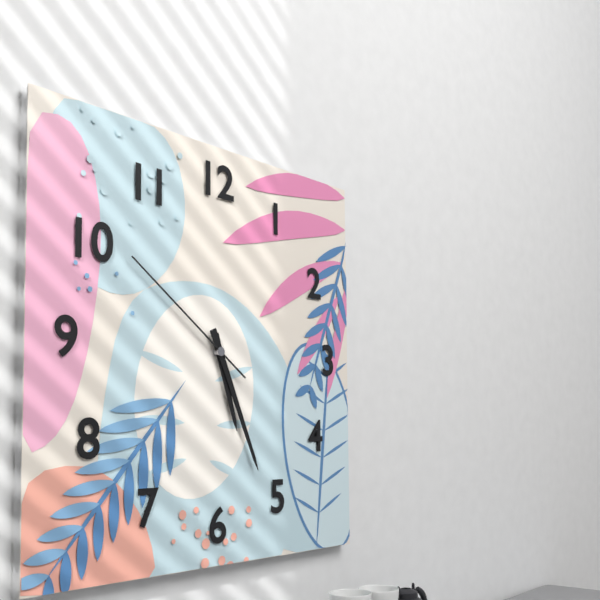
5:26:51
